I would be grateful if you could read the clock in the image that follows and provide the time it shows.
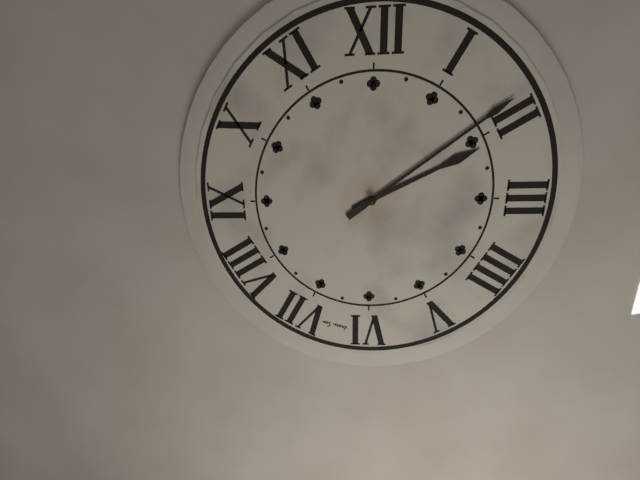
2:09
